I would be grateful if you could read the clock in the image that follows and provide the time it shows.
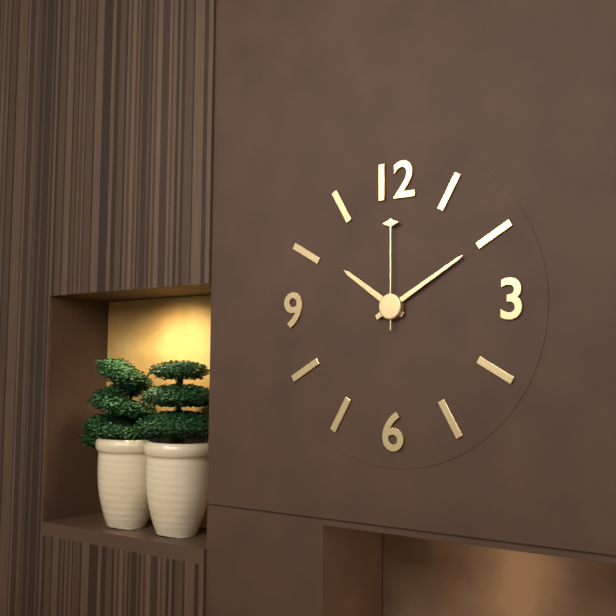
10:10:00
